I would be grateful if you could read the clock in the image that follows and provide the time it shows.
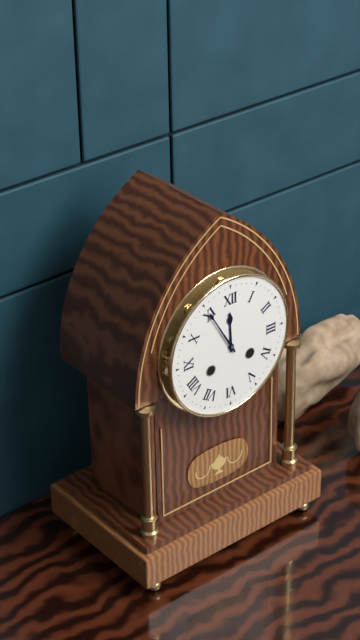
11:55
